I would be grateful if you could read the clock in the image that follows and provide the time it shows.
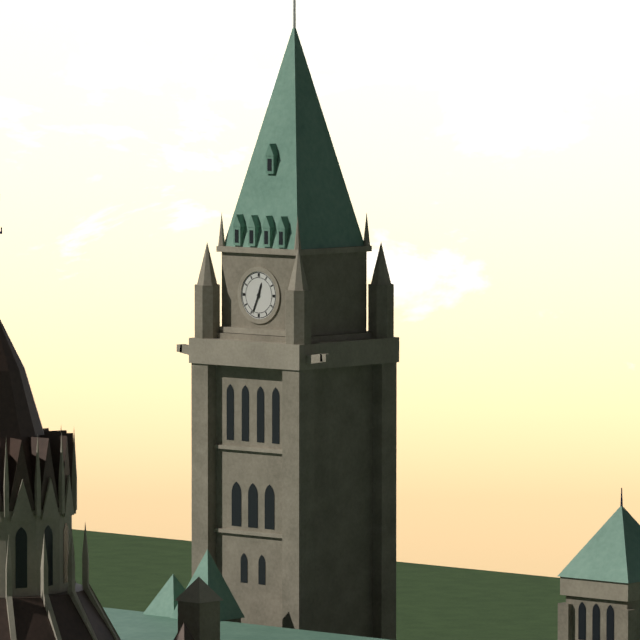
12:34
